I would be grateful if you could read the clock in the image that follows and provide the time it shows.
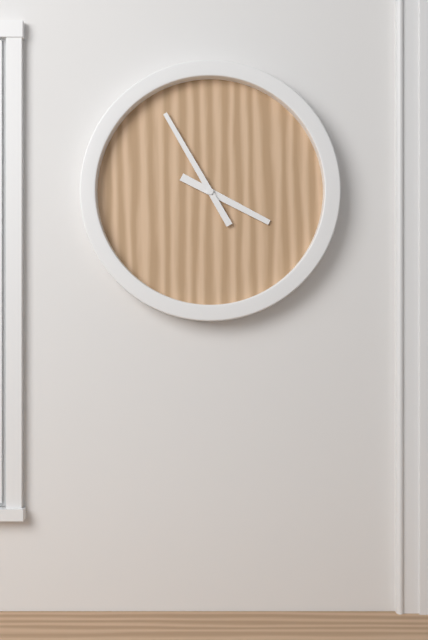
3:55
